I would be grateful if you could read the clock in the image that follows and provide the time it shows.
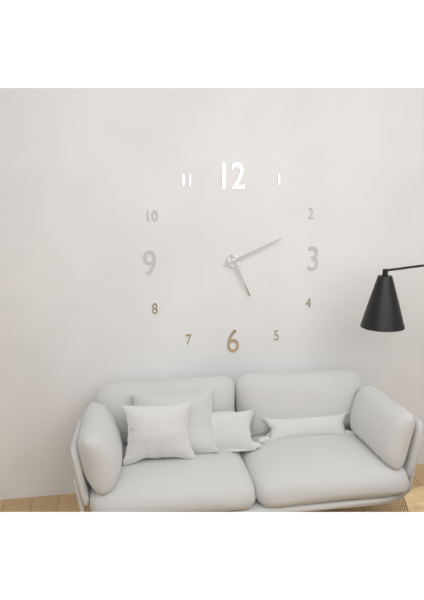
5:11
